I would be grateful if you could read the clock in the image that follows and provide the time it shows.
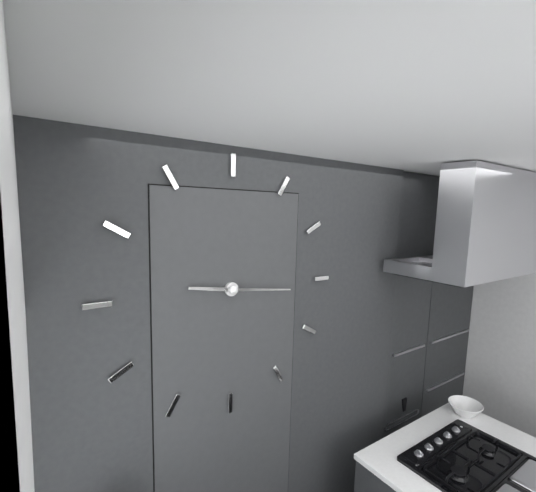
9:16
